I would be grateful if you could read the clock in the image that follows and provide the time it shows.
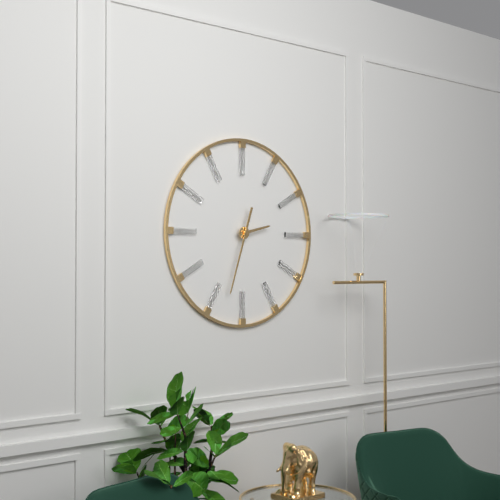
2:33
